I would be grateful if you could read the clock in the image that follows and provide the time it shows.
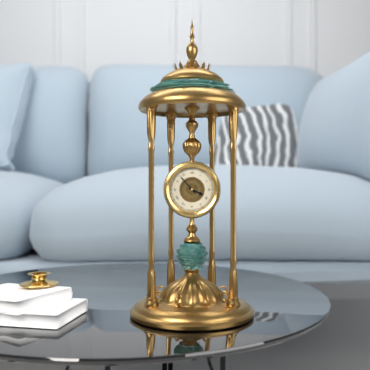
3:53
